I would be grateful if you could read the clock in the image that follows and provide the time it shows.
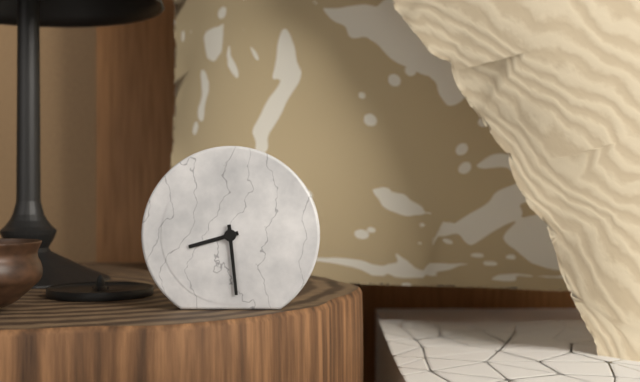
8:29
